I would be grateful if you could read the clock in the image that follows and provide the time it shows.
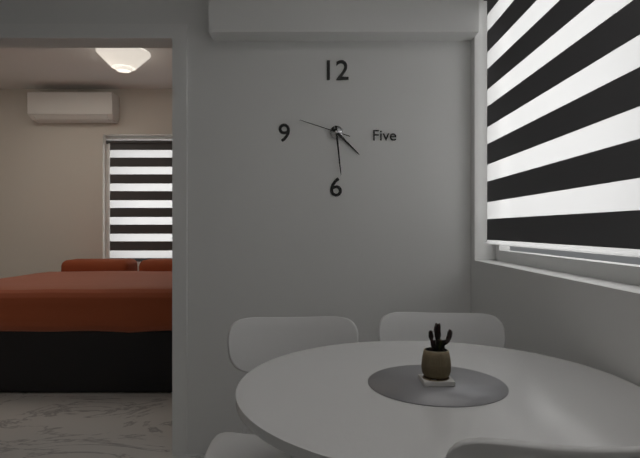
4:29:48
